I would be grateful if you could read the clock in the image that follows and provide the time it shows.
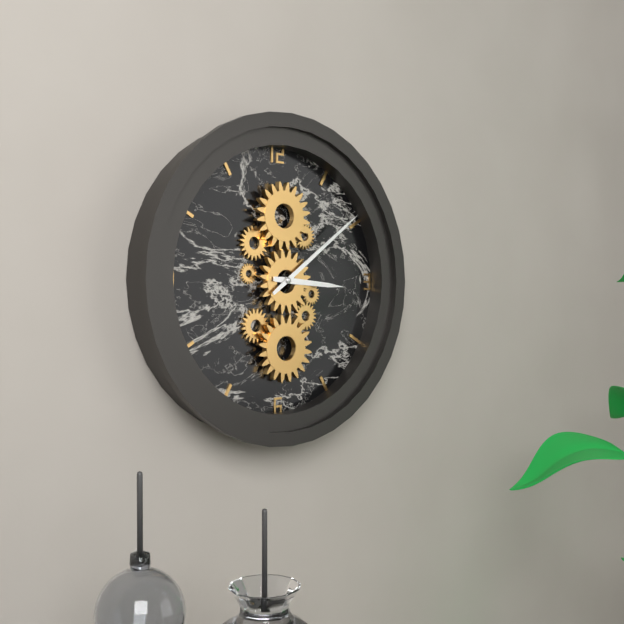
3:09
